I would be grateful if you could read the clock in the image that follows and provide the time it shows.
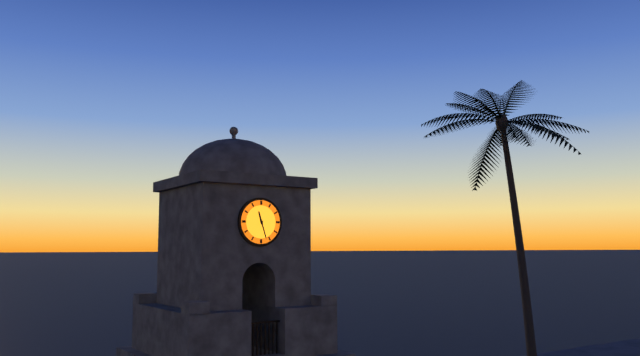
11:27
